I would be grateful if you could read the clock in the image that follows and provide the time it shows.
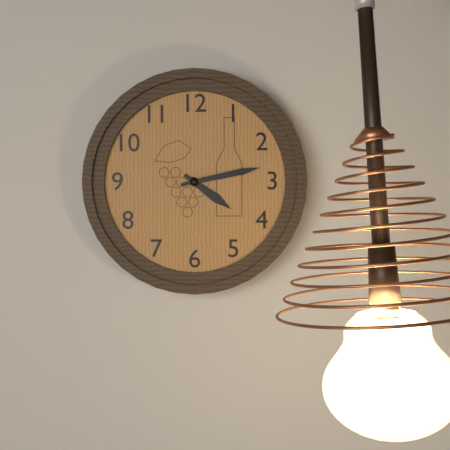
4:13
